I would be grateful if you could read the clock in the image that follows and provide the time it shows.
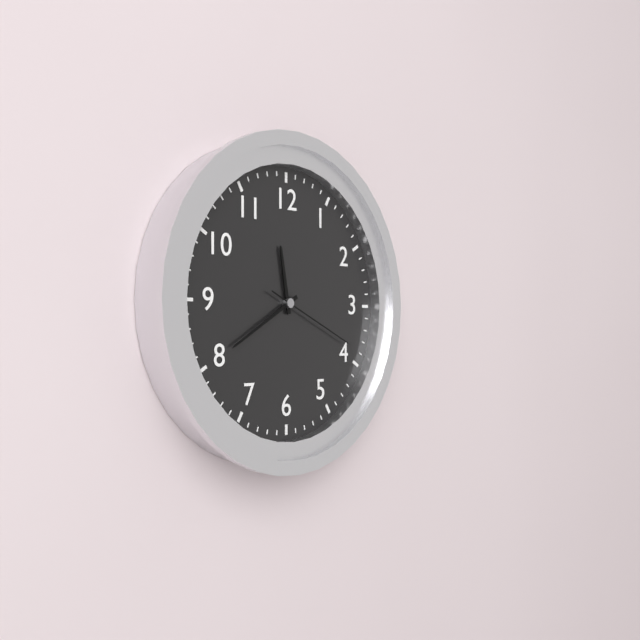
11:40:19
